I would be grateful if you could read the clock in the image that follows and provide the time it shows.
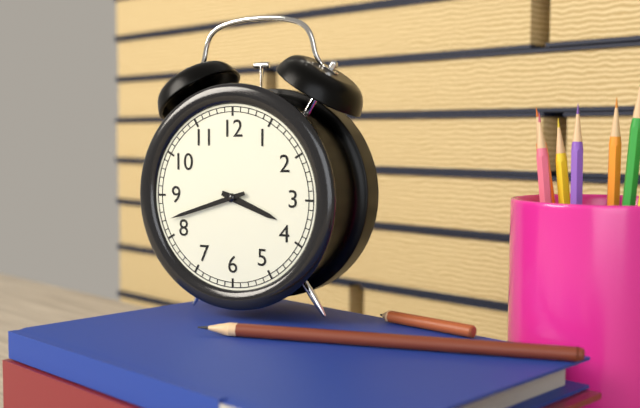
3:42
